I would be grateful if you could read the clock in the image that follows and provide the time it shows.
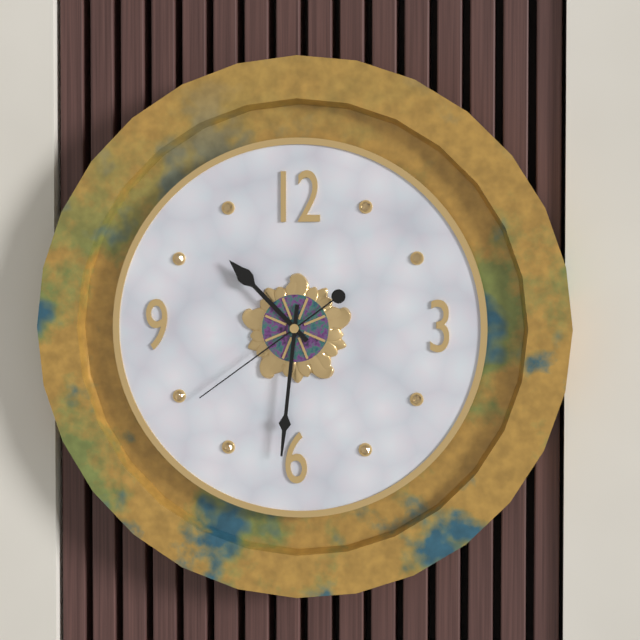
10:31:39
